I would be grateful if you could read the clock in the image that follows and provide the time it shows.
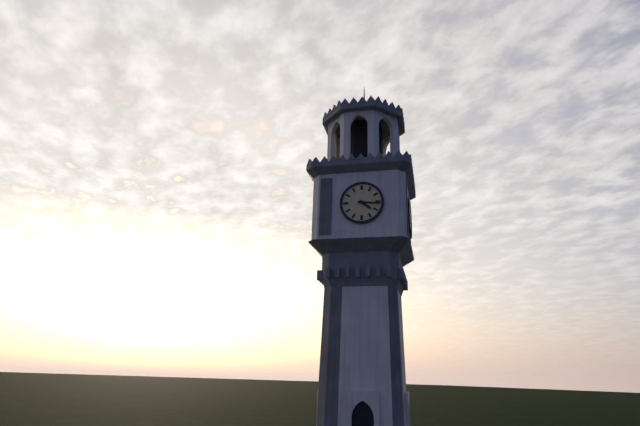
4:16
